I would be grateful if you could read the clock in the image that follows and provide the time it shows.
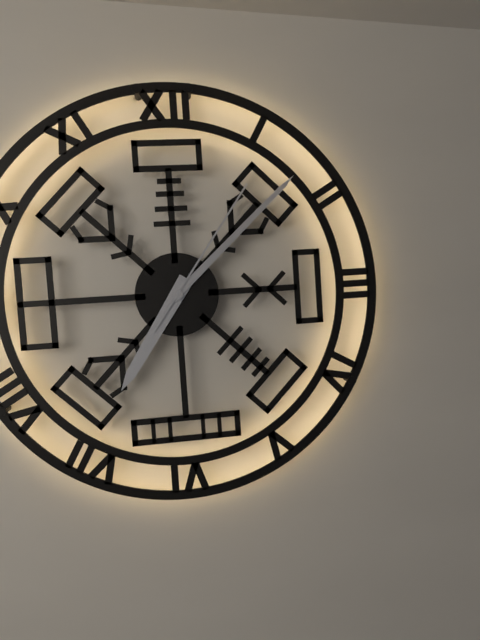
7:08:06
